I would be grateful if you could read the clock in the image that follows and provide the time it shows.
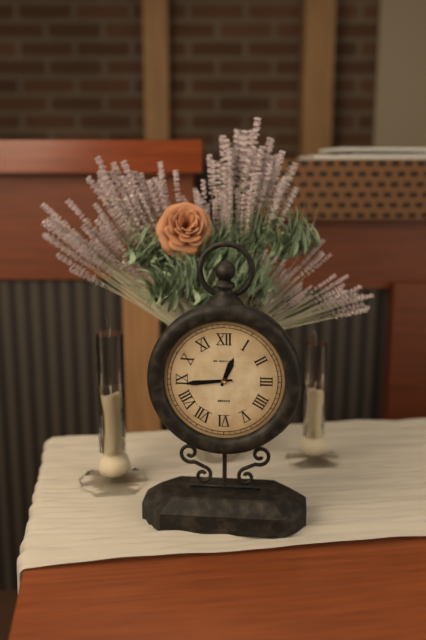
12:44
